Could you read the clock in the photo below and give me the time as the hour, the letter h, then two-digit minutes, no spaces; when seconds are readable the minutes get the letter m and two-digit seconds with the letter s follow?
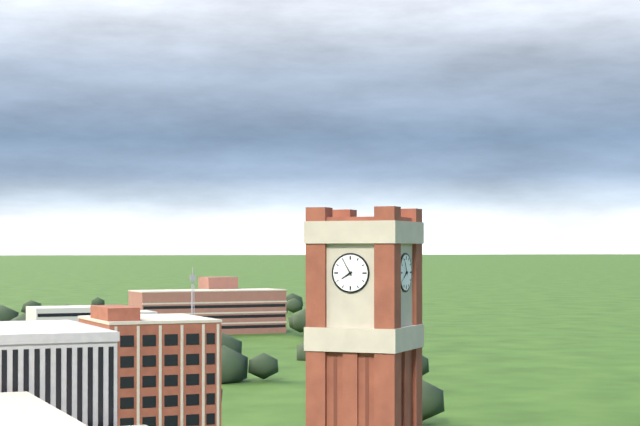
7h55
